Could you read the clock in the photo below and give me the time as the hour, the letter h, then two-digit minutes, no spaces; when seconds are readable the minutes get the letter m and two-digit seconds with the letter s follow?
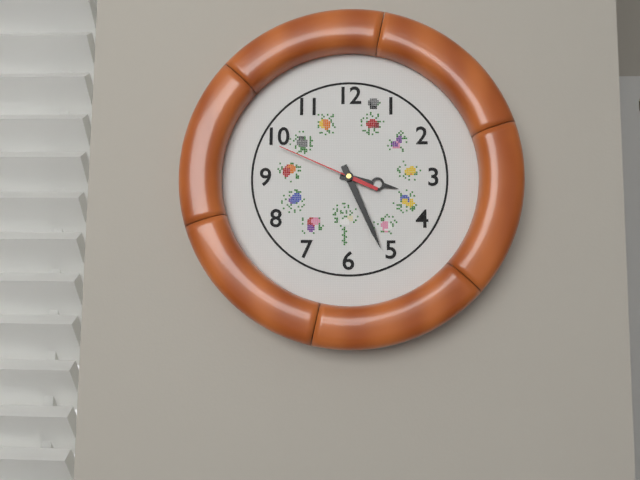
3h26m49s
